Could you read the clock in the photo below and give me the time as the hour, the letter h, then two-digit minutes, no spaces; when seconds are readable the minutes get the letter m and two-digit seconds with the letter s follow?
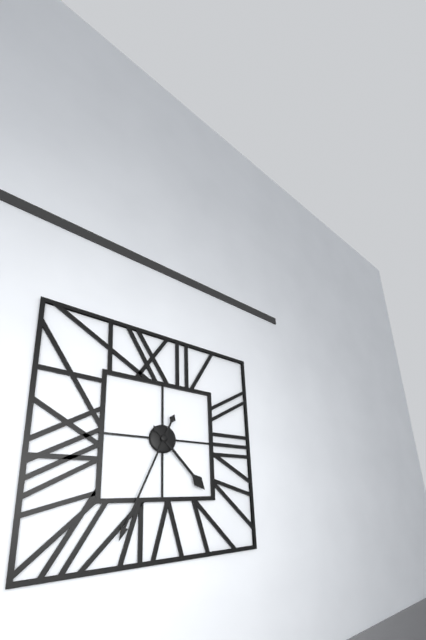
4h34
